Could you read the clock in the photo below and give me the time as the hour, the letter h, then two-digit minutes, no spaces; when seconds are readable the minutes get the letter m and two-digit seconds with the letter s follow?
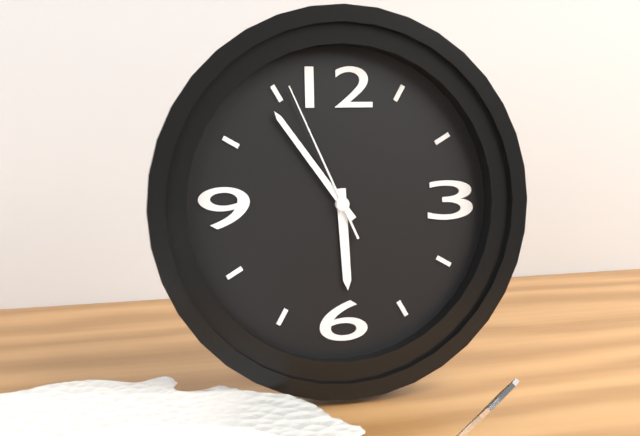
5h54m56s
